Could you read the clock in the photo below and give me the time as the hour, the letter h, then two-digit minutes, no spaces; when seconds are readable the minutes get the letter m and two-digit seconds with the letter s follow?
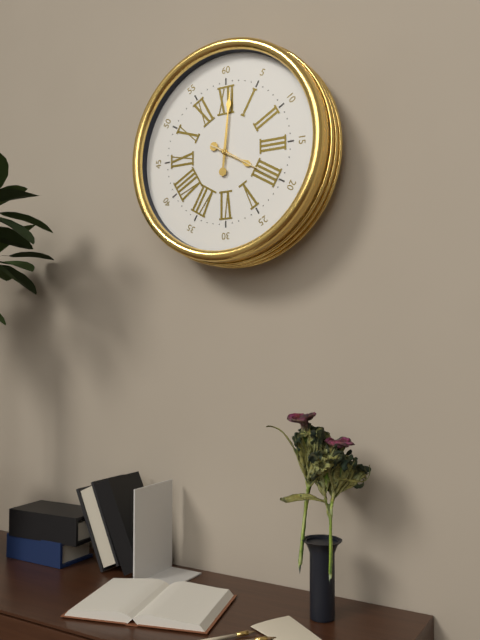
4h01m20s
